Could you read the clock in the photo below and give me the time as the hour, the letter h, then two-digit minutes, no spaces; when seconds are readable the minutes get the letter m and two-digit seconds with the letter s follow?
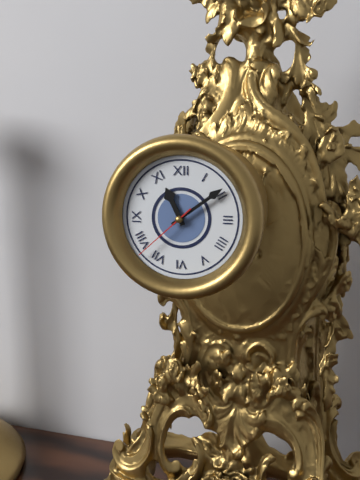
11h09m38s
